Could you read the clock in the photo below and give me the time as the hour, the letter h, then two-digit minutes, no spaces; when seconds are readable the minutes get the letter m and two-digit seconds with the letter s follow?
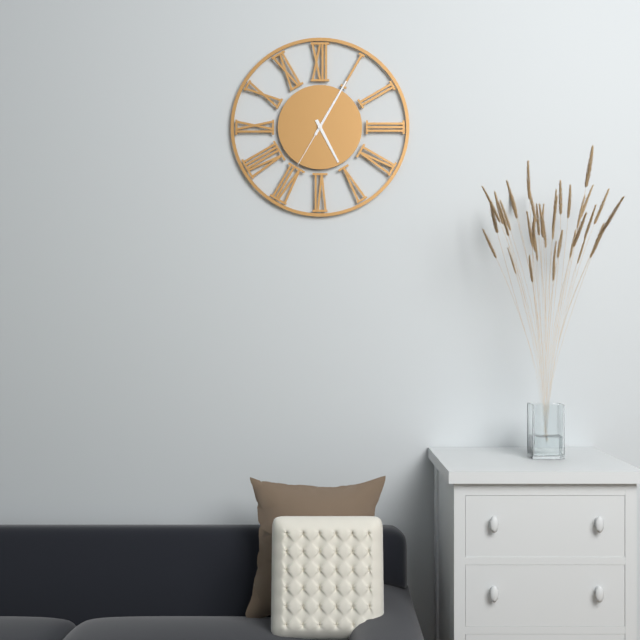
5h05m35s
